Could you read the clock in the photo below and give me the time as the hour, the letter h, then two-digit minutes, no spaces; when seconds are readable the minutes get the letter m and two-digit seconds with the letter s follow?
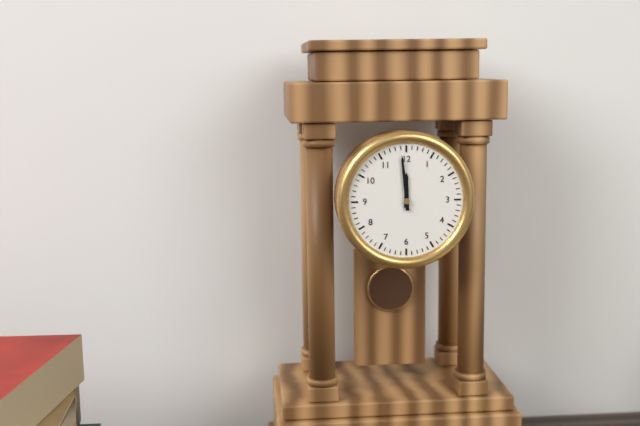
11h59
